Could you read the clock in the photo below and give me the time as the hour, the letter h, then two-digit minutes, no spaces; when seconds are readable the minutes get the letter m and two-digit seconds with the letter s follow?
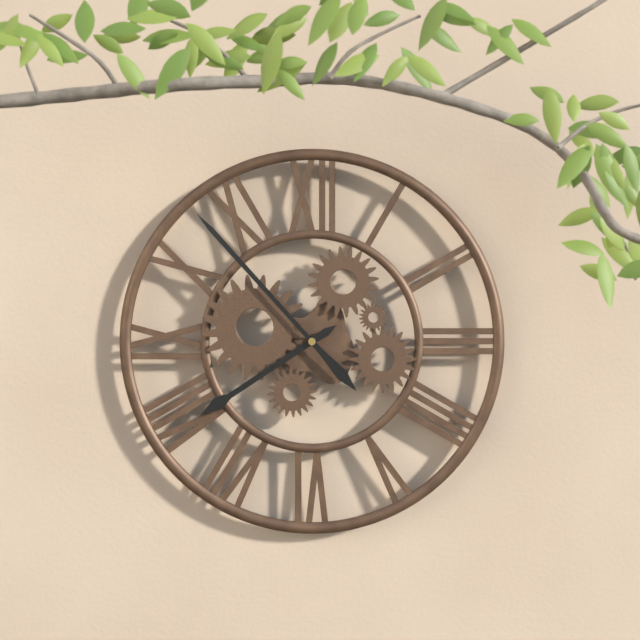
7h53
